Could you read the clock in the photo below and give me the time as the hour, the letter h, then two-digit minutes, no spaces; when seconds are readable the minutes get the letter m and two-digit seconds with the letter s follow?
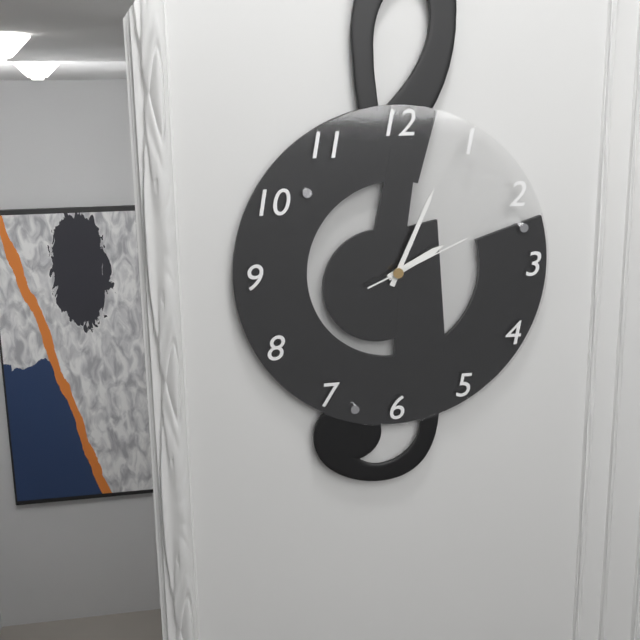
2h04m11s
